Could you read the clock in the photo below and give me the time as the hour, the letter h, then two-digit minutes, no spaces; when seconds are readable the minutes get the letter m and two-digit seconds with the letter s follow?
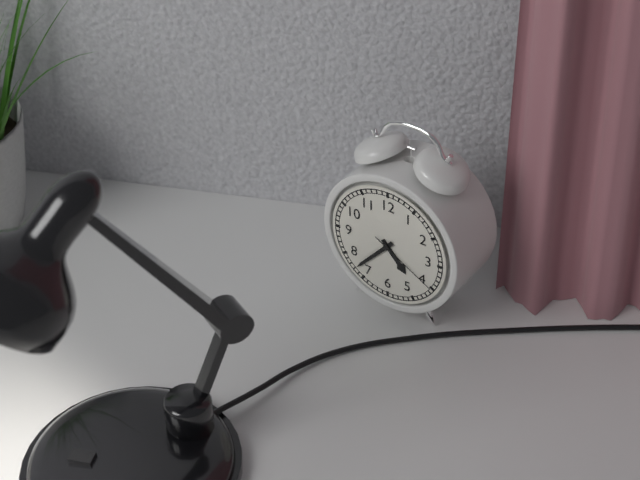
4h37m20s
